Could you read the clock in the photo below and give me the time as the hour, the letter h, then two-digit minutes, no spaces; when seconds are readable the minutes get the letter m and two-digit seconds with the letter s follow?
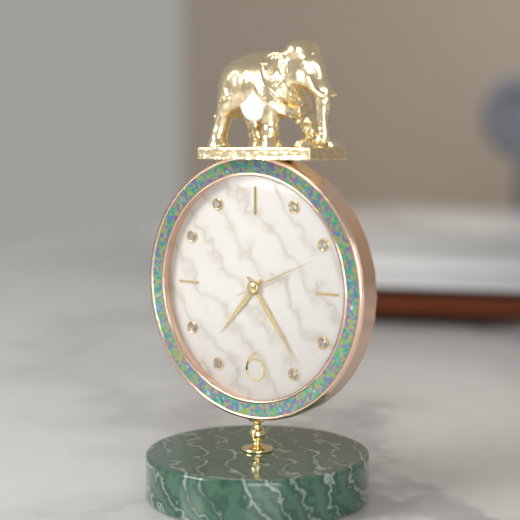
7h24m11s
